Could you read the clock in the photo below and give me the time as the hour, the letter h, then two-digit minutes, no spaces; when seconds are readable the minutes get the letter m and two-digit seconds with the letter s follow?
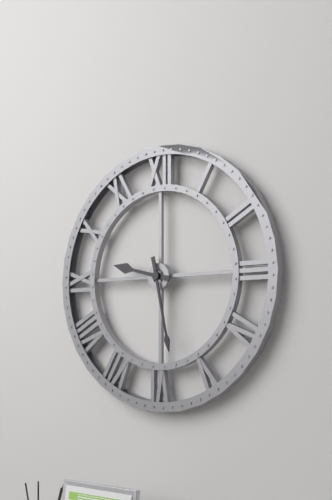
9h28
